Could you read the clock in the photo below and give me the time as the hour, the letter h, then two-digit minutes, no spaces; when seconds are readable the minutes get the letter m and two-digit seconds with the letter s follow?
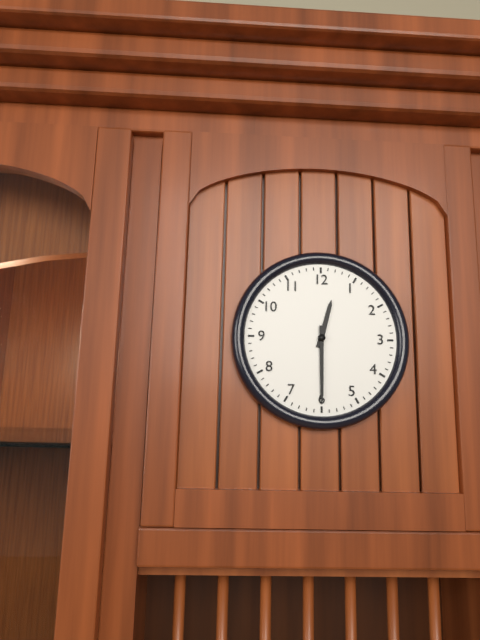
12h30
